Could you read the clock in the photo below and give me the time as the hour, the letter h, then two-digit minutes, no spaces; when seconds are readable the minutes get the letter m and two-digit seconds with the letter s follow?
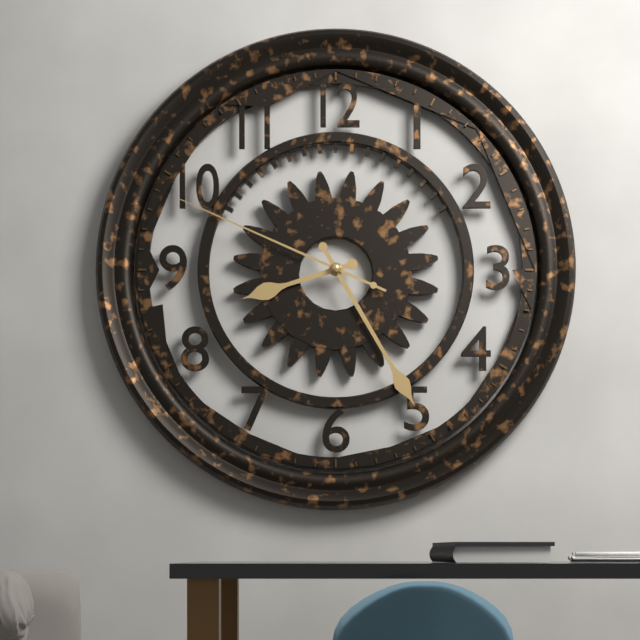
8h25m49s
